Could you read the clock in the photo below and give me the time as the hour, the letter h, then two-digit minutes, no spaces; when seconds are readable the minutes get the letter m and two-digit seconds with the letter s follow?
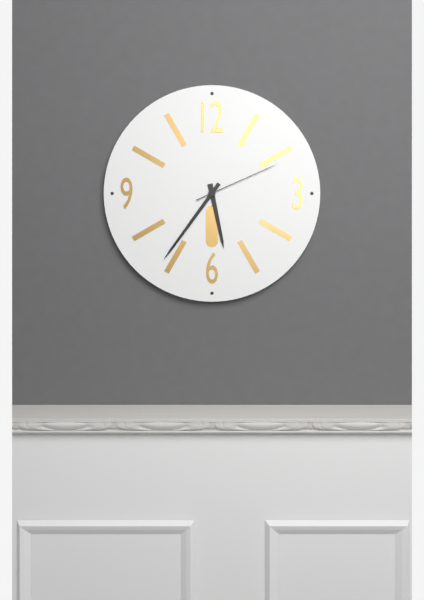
5h36m11s
